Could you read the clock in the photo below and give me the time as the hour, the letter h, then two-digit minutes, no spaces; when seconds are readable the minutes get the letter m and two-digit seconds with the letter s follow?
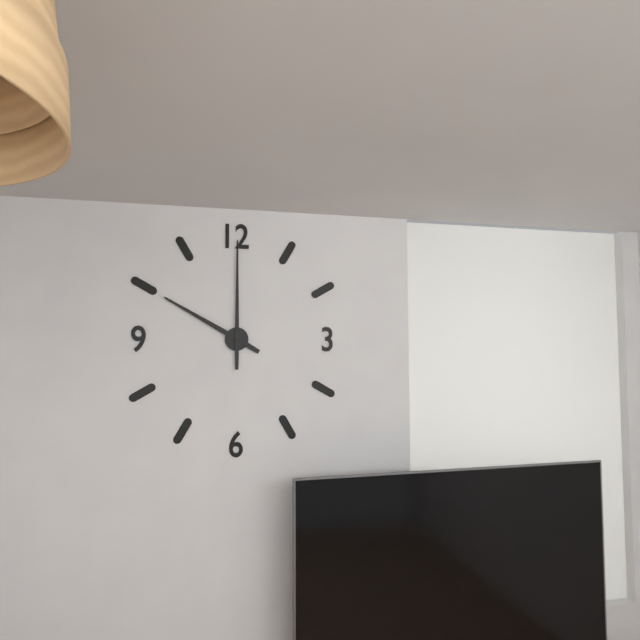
10h00
